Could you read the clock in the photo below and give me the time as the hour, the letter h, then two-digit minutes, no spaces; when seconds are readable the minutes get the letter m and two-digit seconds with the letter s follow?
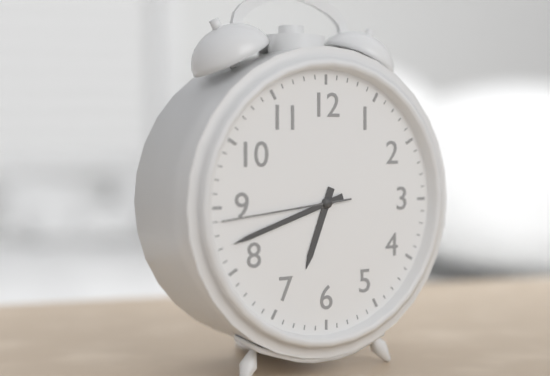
6h42m44s
